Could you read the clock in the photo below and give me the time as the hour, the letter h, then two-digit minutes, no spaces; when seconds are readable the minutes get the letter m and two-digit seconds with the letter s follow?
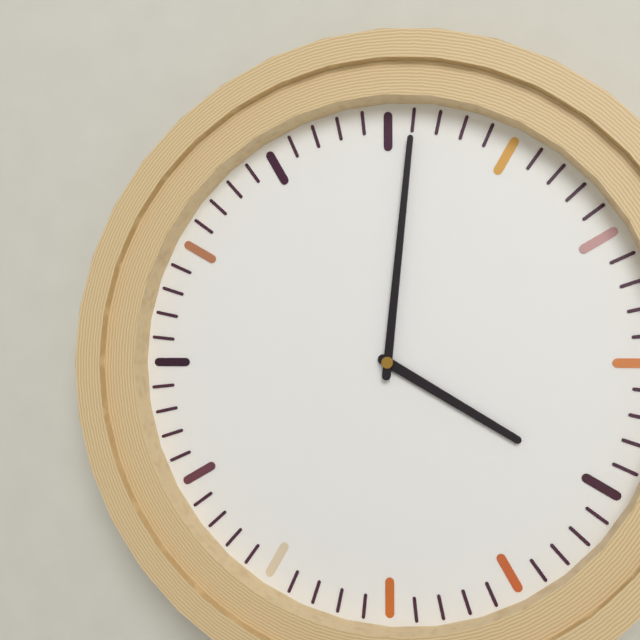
4h01
